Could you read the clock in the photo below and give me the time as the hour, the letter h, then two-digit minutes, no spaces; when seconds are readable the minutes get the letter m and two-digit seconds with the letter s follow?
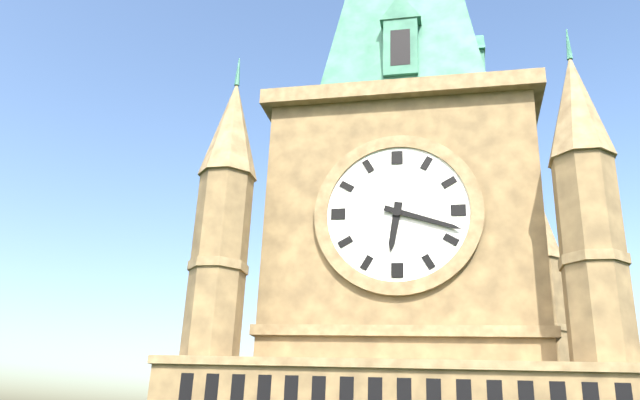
6h18
